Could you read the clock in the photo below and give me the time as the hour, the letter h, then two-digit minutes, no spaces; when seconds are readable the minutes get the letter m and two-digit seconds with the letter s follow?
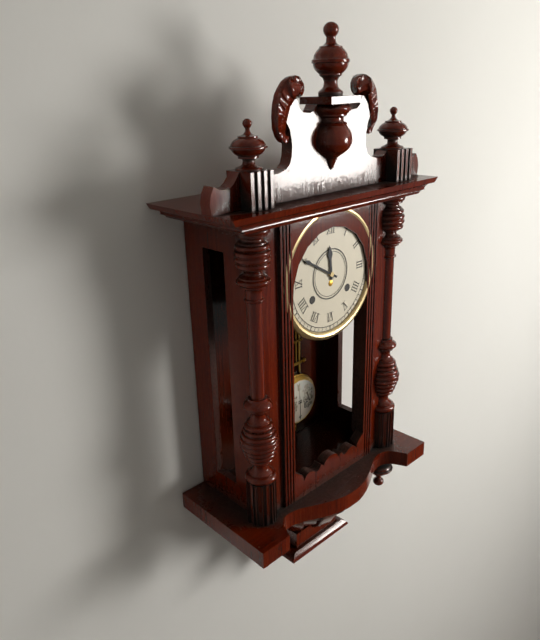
11h50
